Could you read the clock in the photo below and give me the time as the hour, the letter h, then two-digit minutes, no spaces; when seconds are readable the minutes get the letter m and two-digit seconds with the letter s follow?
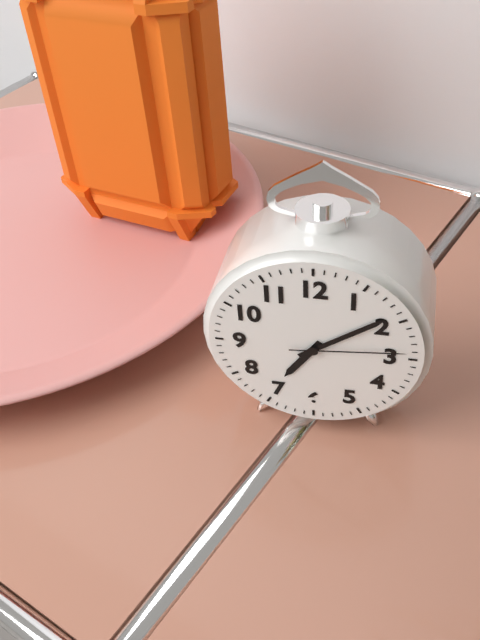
7h09m14s
